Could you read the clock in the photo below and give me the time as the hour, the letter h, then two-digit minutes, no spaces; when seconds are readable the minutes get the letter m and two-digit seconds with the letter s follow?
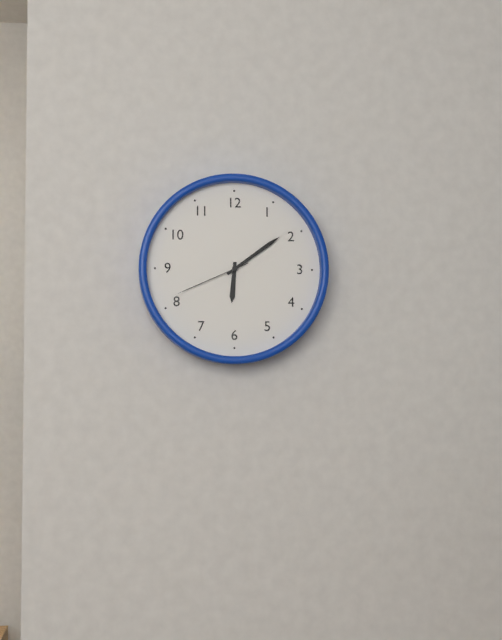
6h09m41s
